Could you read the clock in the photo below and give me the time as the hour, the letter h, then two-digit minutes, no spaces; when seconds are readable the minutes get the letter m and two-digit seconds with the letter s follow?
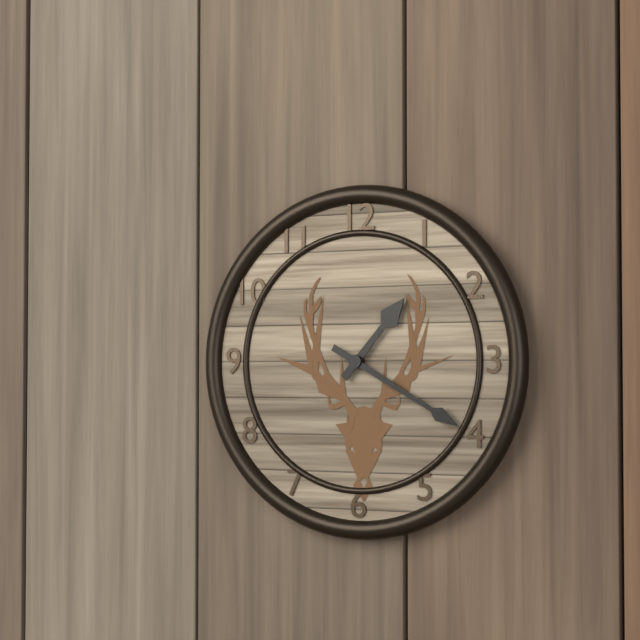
1h20
